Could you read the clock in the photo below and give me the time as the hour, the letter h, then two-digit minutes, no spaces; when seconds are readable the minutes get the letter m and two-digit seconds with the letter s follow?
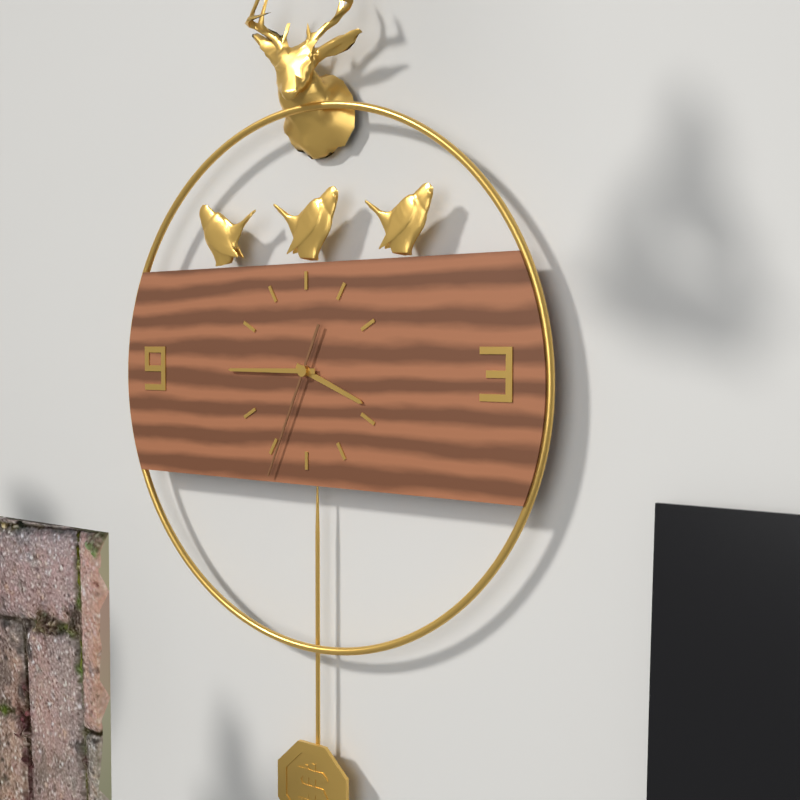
3h45m34s
